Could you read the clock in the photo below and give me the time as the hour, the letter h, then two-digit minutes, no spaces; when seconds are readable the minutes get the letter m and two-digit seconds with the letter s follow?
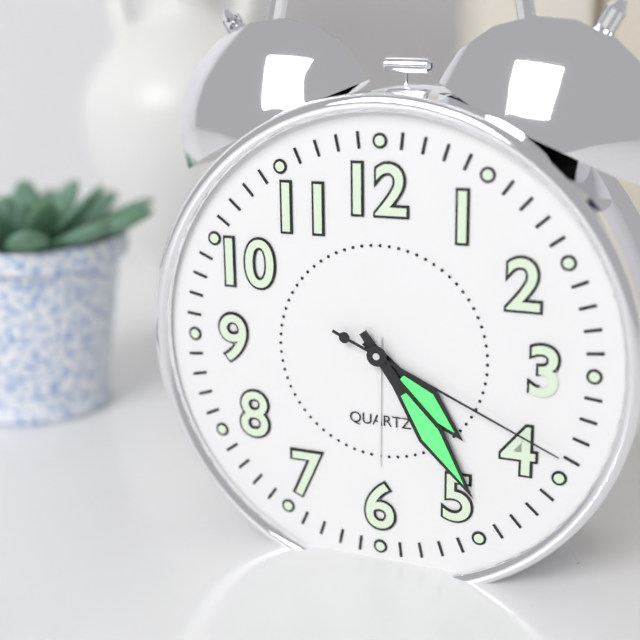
4h24m19s
